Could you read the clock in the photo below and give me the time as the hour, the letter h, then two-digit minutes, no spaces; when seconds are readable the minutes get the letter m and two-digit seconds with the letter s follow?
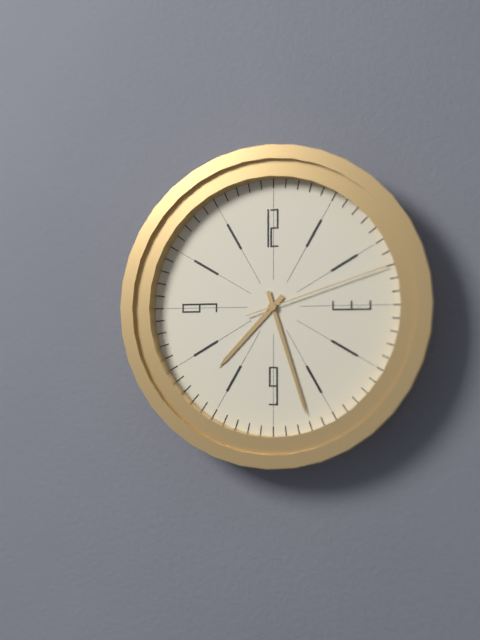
7h27m12s
